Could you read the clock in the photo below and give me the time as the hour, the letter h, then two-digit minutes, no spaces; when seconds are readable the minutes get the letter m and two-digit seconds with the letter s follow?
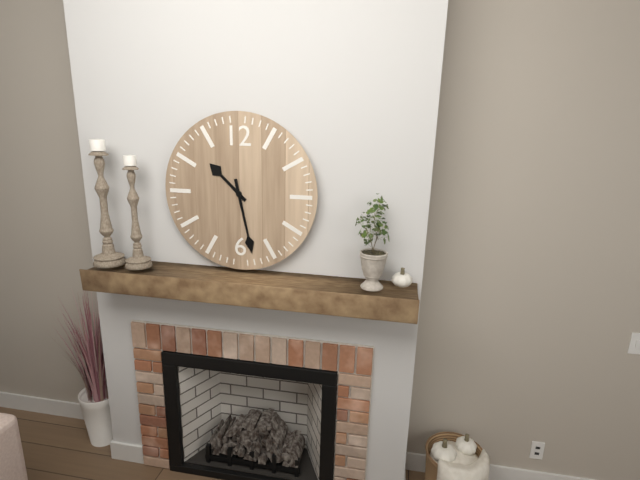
10h28
